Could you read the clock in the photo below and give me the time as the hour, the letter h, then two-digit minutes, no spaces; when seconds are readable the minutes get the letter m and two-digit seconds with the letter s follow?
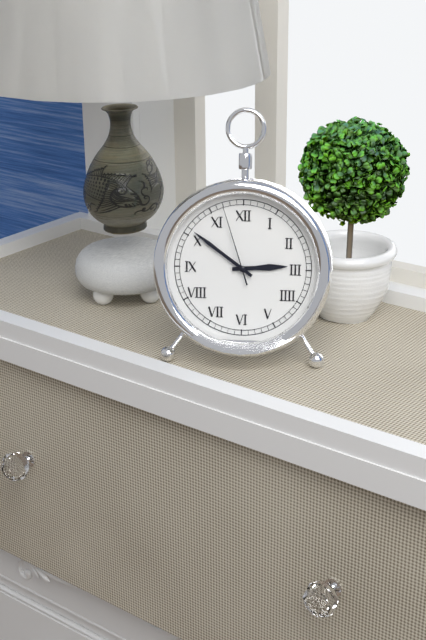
2h51m57s
